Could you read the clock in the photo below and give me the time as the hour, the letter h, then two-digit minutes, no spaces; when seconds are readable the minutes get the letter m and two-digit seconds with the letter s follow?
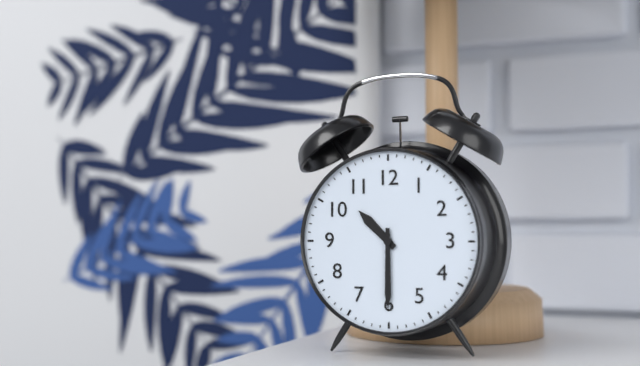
10h30
